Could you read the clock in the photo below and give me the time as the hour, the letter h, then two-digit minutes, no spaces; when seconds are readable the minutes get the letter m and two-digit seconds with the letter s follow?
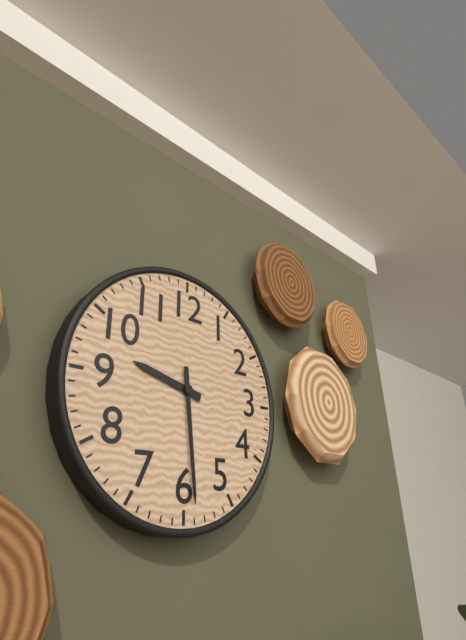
9h29
